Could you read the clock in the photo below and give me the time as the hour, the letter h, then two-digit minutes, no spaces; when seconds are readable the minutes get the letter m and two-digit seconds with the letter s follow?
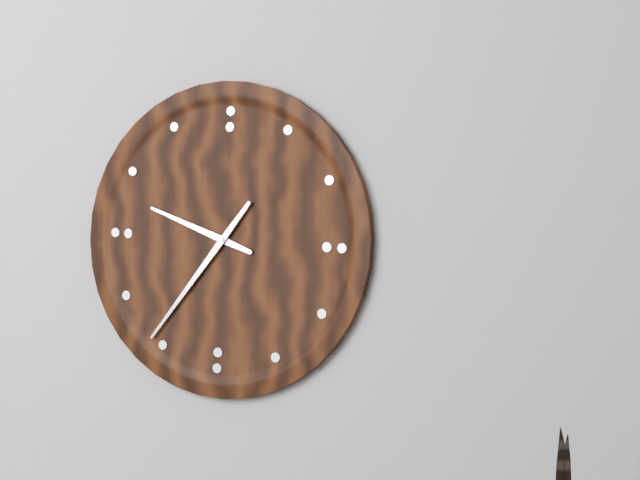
9h36
